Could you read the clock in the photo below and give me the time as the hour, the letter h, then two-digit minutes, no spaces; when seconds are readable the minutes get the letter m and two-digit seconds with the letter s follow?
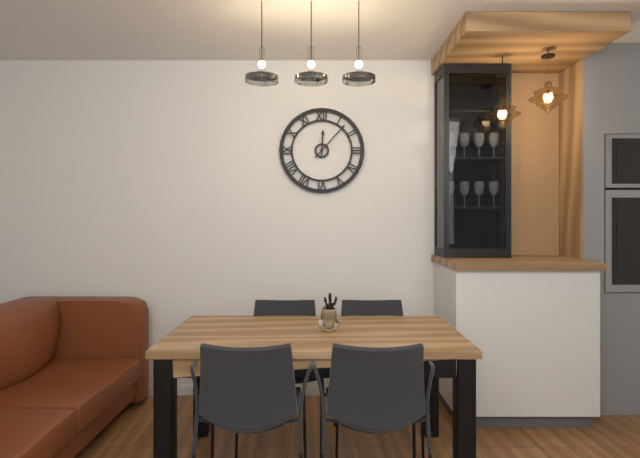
12h07
